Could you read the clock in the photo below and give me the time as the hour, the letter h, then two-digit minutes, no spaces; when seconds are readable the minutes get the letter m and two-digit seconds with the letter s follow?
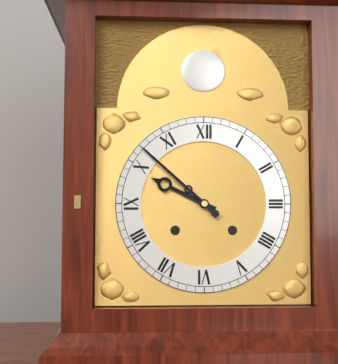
9h52
